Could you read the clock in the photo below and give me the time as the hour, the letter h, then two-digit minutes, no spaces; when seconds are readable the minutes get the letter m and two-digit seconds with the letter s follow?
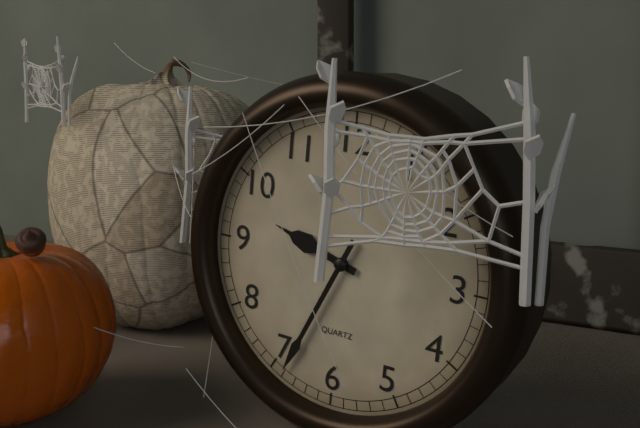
9h34
